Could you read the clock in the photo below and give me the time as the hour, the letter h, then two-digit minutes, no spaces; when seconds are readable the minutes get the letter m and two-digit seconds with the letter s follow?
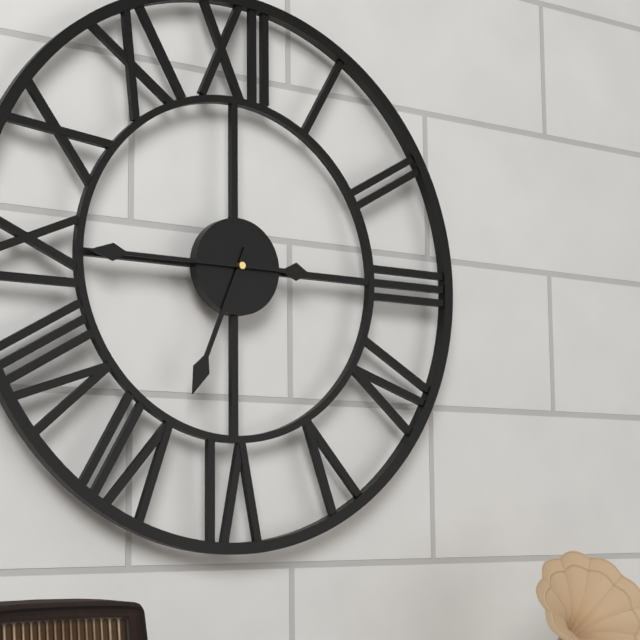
6h45
